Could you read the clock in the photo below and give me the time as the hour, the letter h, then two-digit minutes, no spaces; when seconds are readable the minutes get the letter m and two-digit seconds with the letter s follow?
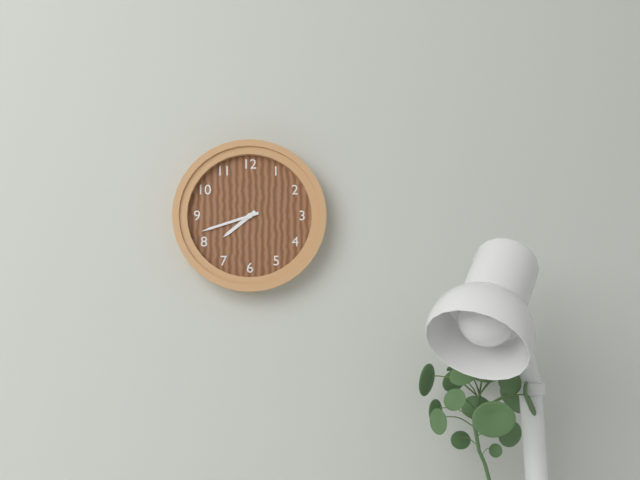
7h42
